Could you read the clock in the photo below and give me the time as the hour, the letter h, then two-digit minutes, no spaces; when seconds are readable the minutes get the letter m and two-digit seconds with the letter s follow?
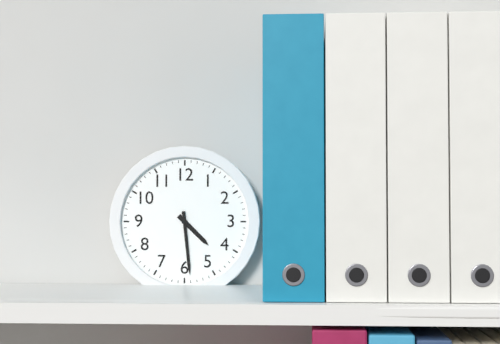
4h29
